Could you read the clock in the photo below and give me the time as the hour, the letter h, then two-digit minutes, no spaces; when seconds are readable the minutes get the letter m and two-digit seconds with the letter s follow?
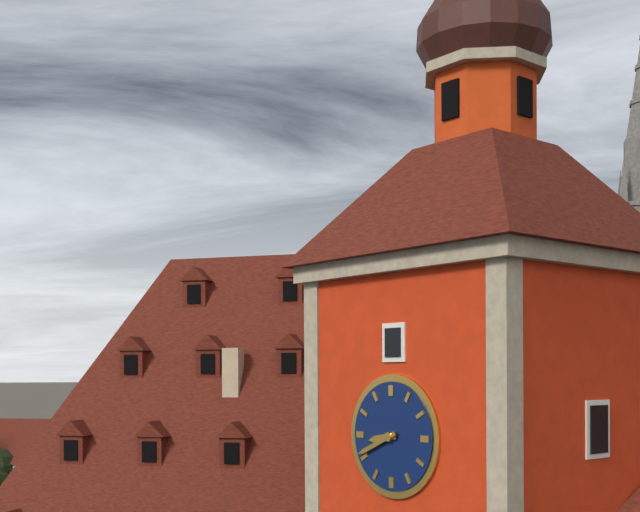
8h41
